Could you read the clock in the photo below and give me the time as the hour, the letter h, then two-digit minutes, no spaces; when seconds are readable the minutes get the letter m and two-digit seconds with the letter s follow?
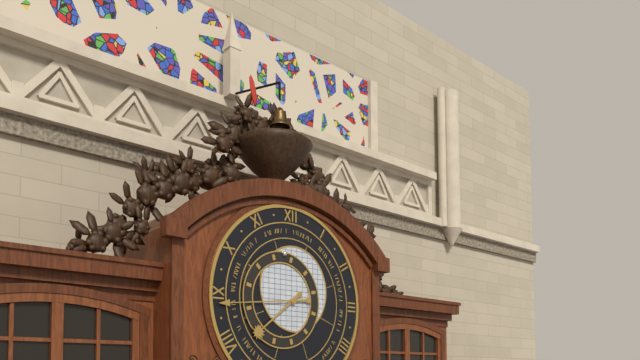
7h44
